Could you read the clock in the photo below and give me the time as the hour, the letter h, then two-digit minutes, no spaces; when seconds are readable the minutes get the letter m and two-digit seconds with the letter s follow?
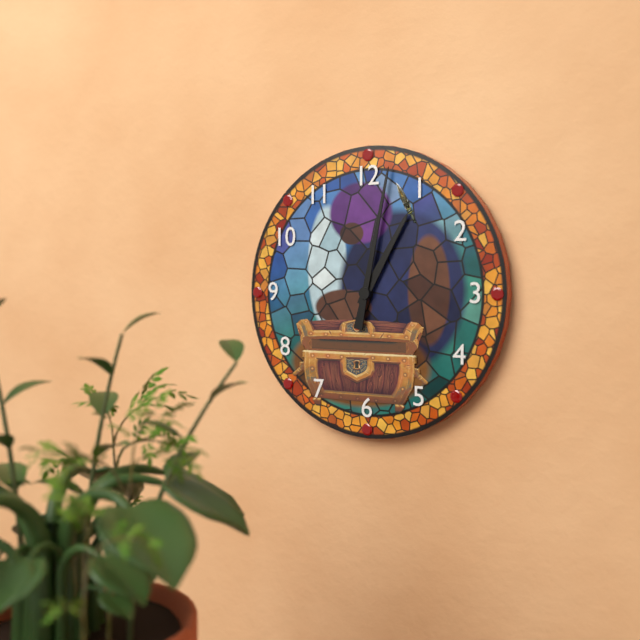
1h02
